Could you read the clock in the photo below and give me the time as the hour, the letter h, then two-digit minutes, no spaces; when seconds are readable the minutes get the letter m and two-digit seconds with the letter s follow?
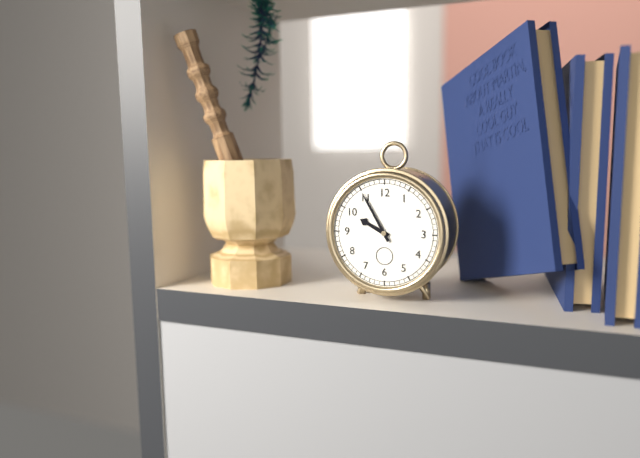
9h55
